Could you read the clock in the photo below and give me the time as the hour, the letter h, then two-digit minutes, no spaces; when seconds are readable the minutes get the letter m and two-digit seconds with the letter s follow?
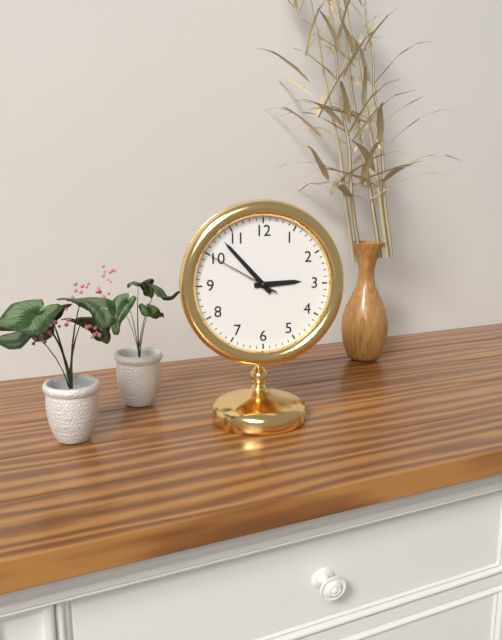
2h53m50s
